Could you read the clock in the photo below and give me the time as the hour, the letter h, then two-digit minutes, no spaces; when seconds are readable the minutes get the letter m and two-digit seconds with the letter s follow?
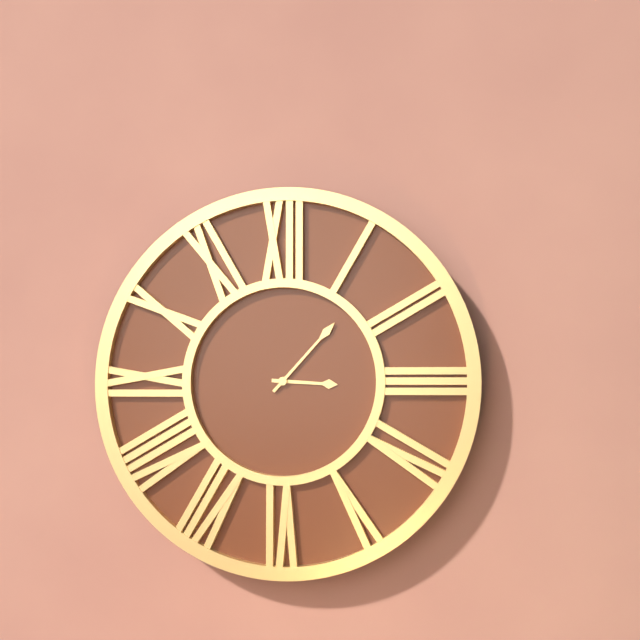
3h07
